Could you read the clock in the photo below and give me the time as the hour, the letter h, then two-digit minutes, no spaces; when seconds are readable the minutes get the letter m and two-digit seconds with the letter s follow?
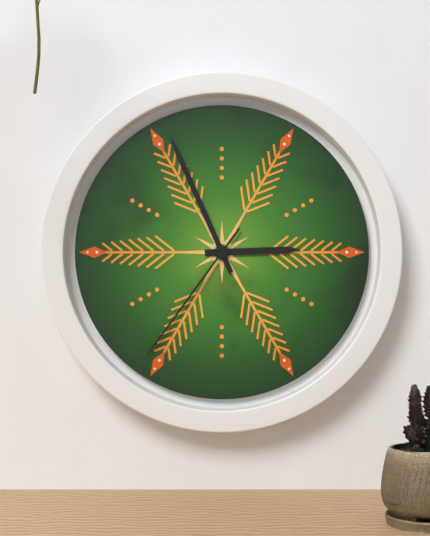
2h56m36s
